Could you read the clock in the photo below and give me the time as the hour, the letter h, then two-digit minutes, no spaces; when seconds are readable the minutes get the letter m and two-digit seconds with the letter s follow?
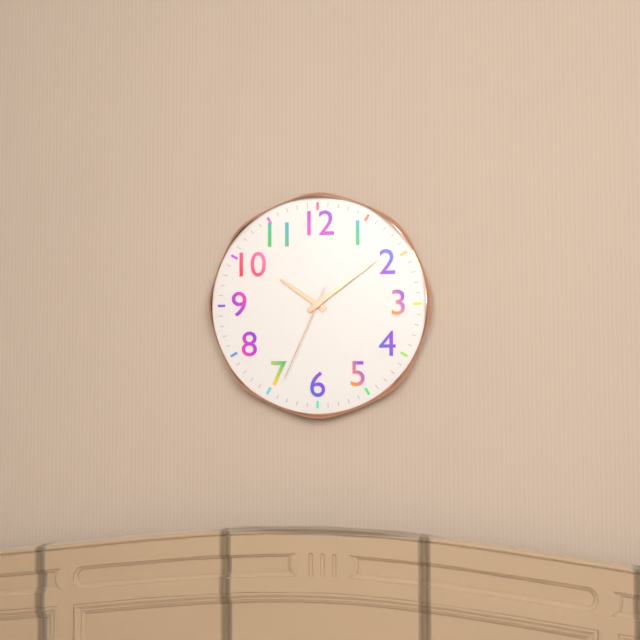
10h09m34s
